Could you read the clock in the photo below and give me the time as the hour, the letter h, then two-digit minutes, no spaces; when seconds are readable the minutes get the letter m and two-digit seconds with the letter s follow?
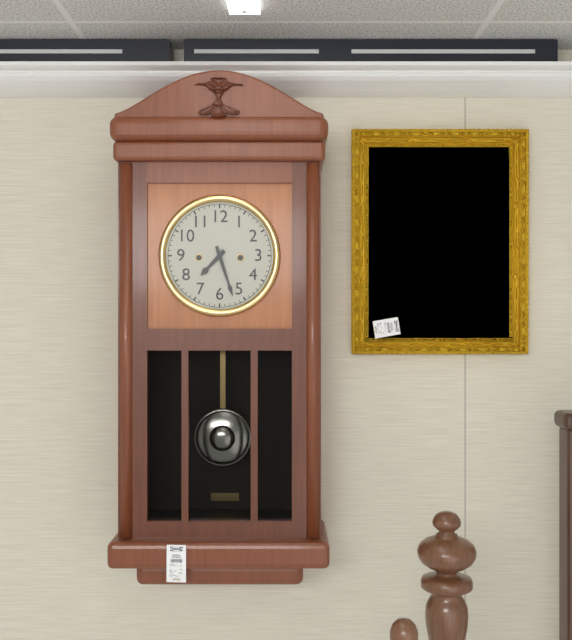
7h27
